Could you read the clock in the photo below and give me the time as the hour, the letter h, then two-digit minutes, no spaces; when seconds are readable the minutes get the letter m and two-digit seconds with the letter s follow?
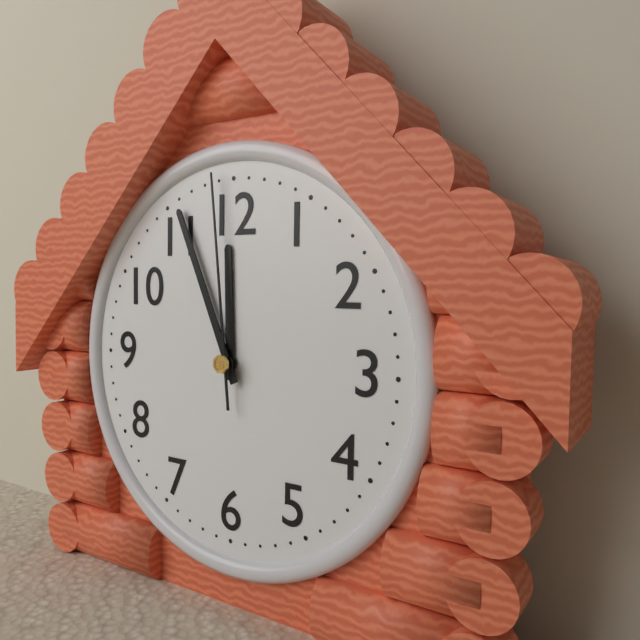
11h56m59s
